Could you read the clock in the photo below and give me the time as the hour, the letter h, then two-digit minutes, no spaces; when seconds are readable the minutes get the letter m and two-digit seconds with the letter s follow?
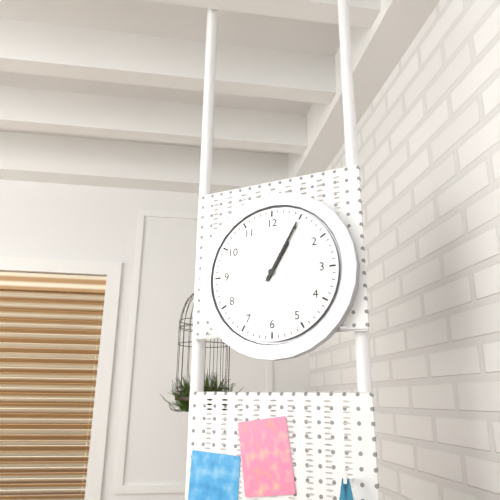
1h05
